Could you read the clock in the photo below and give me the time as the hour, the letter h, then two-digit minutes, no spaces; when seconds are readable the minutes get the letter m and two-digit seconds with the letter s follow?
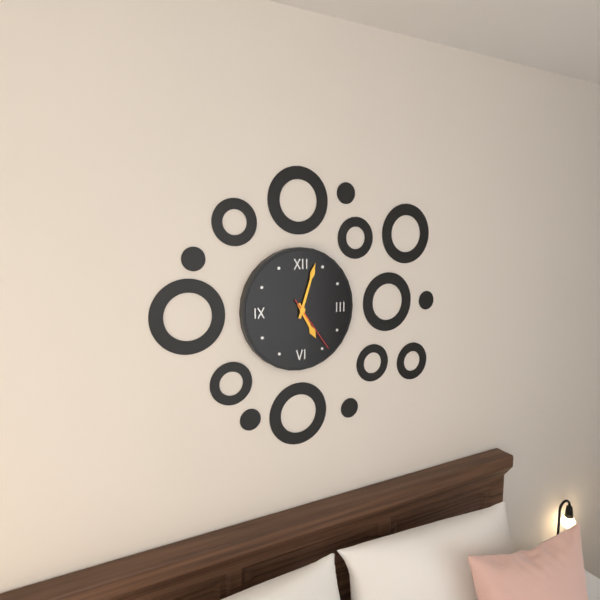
5h03m24s
